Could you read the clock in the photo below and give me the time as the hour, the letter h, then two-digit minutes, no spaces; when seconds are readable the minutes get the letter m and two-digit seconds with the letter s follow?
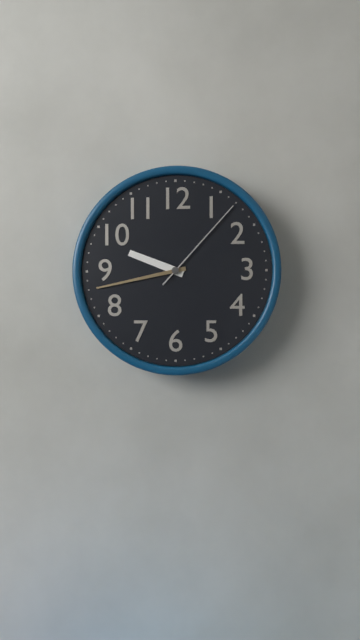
9h43m07s
